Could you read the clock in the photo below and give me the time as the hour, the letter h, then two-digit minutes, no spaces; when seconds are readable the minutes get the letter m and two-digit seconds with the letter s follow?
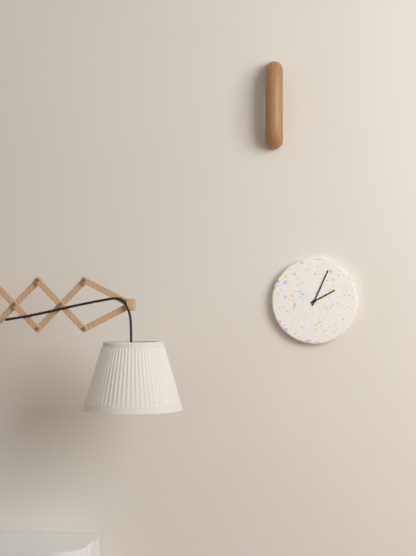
2h04
